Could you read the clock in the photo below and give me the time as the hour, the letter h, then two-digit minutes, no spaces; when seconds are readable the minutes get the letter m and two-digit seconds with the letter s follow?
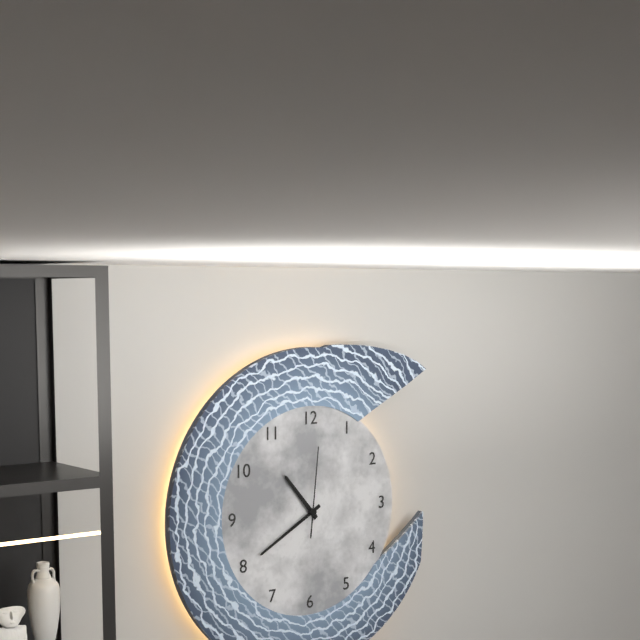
10h40m01s
